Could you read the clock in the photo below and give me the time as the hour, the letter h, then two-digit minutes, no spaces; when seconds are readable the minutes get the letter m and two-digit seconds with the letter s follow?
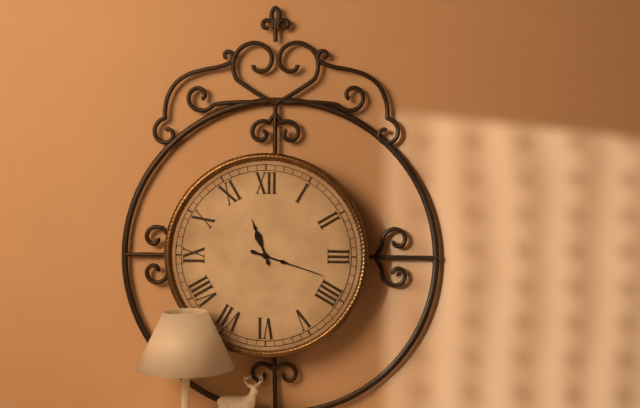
11h18
